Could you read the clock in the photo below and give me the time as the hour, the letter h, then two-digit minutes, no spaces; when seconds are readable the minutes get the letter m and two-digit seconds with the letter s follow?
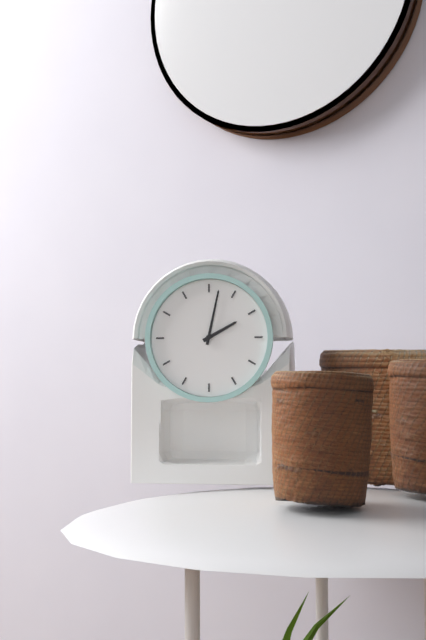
2h02
